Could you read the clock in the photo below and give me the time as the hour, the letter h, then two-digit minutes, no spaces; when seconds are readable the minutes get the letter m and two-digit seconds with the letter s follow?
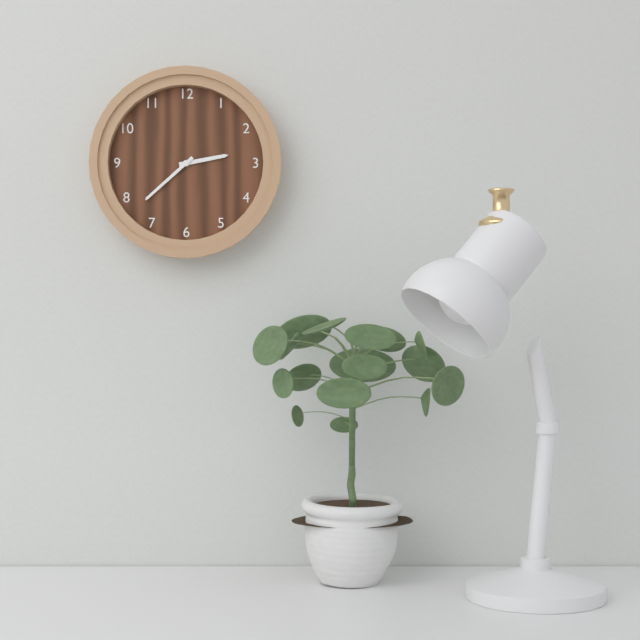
2h38
